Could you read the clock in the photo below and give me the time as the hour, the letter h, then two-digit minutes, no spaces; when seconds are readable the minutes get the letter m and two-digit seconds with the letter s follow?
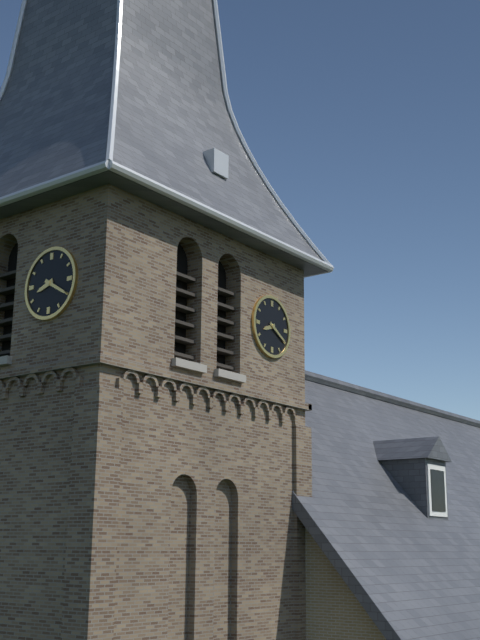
8h20
